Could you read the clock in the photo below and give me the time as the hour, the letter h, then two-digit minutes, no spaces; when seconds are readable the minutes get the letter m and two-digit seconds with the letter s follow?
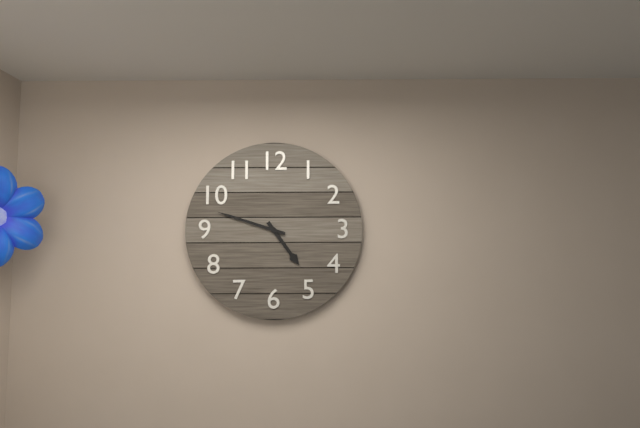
4h48
